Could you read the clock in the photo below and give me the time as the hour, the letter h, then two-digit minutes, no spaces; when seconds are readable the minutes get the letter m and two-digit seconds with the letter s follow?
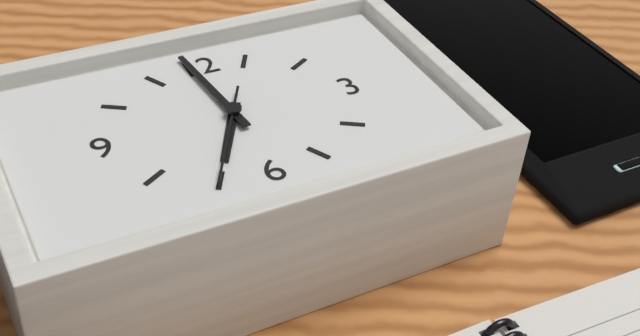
6h59m35s
